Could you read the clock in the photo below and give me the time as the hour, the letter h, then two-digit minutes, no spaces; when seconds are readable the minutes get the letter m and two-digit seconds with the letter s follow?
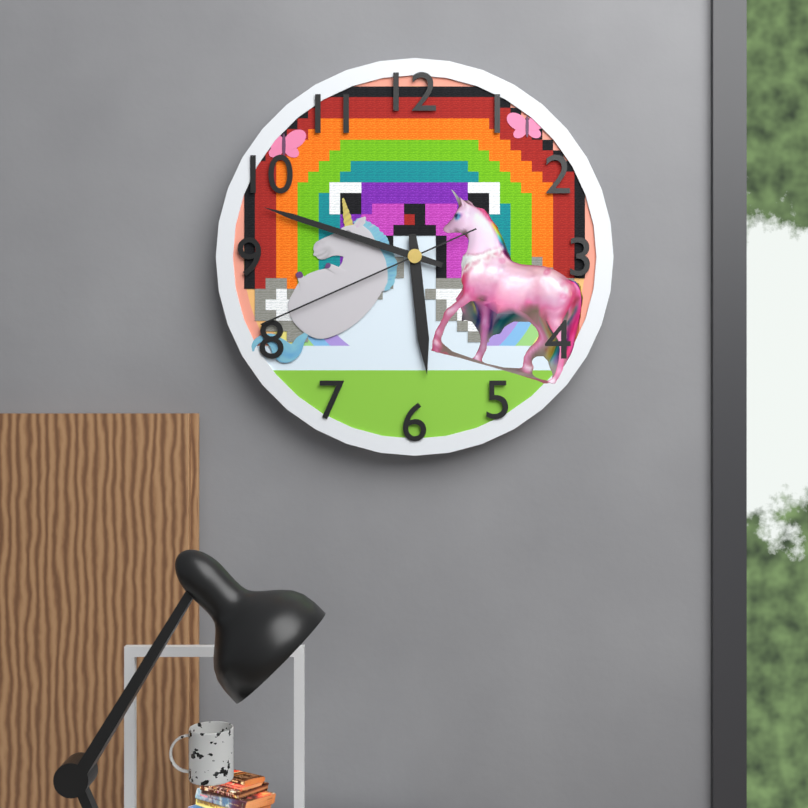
5h48m41s
